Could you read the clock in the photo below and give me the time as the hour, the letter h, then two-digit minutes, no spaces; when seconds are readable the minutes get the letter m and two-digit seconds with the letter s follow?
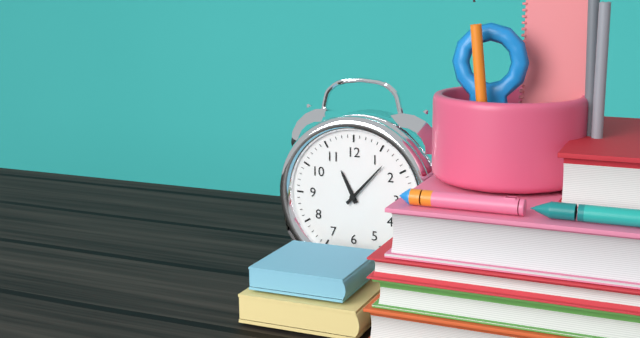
11h07
